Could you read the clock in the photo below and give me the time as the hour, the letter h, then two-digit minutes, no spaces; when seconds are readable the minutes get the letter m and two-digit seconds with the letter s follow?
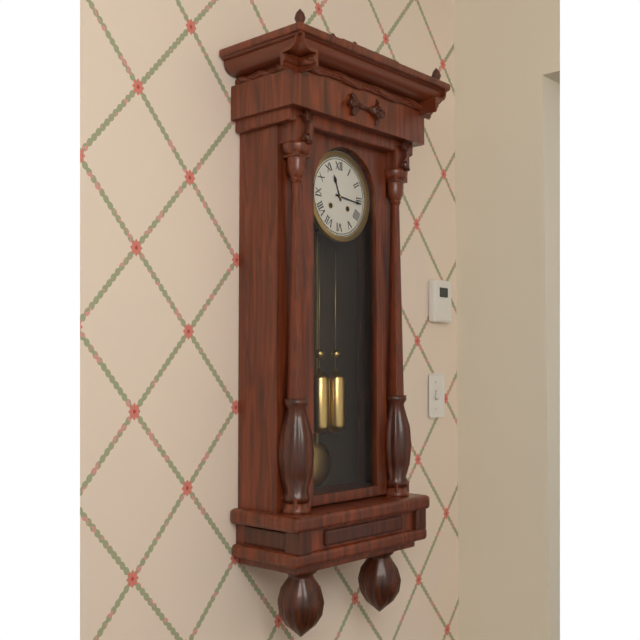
11h16
